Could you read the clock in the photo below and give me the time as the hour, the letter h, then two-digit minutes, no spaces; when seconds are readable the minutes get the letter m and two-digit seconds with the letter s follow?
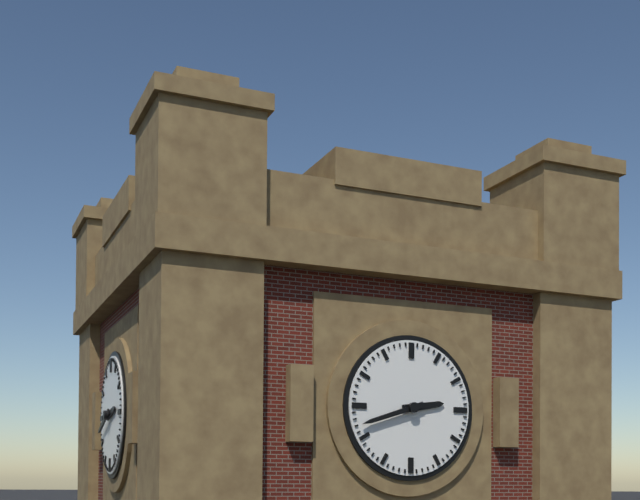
2h42
